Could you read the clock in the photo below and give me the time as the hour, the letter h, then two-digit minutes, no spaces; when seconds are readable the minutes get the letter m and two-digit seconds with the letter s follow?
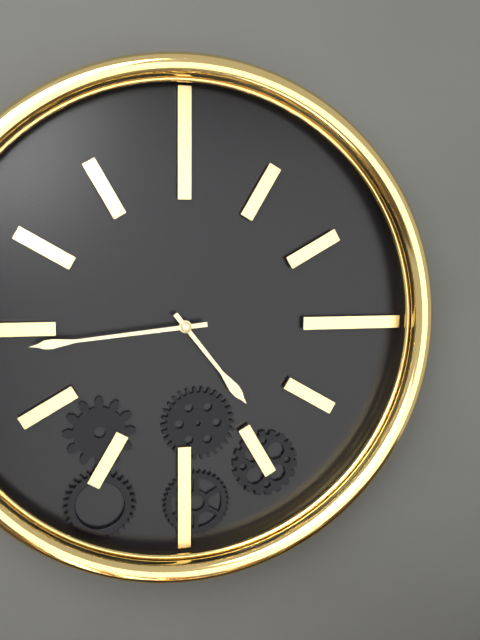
4h44
